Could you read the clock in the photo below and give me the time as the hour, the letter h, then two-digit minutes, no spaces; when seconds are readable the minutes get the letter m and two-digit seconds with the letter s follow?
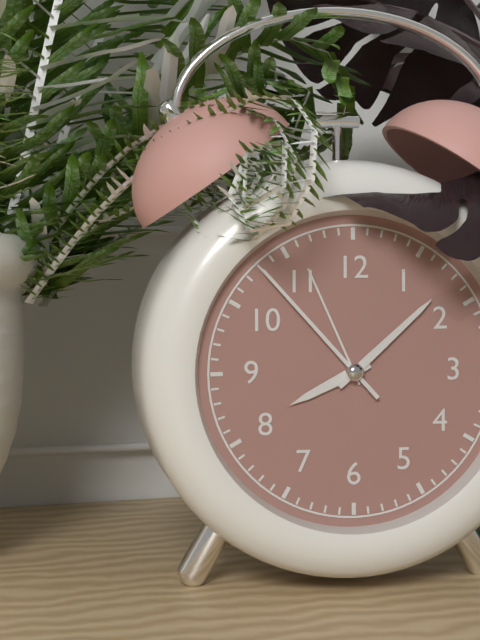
8h08m53s
